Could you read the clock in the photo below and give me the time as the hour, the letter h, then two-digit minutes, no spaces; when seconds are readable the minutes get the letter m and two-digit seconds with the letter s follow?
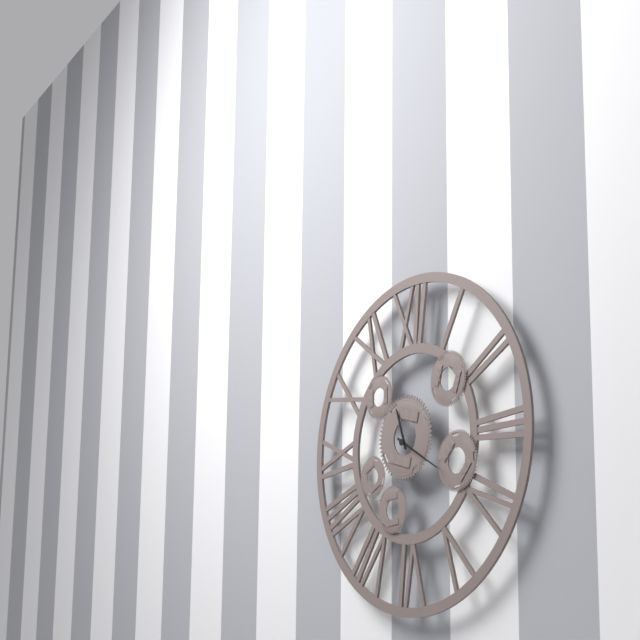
11h20
